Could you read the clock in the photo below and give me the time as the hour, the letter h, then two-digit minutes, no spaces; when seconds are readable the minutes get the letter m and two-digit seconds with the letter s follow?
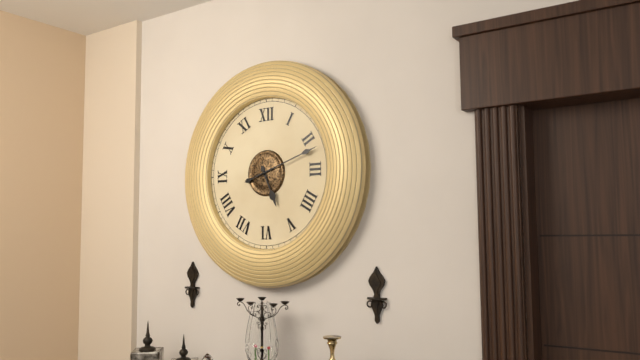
5h12
